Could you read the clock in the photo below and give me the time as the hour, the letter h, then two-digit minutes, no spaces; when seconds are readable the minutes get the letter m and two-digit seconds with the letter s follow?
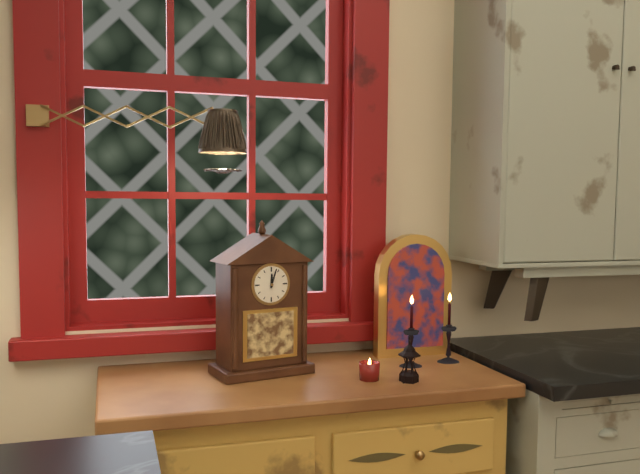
12h03
